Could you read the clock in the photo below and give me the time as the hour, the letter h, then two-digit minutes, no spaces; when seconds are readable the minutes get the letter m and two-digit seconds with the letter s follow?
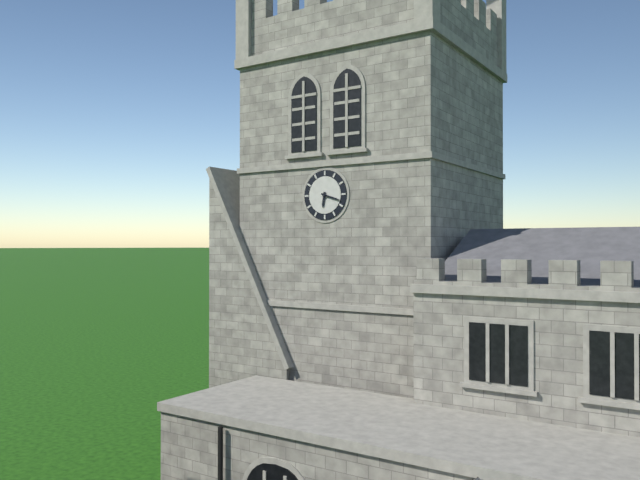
6h18
